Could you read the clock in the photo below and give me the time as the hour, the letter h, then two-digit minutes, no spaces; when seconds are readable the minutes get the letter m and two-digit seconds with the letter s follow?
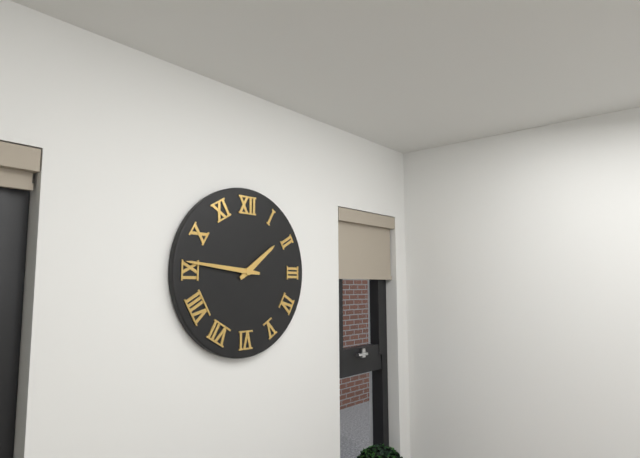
1h46
